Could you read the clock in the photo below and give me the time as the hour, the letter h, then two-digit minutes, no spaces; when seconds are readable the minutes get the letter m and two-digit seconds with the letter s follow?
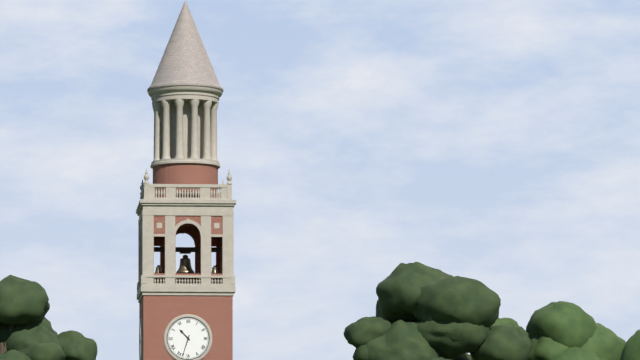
10h33
